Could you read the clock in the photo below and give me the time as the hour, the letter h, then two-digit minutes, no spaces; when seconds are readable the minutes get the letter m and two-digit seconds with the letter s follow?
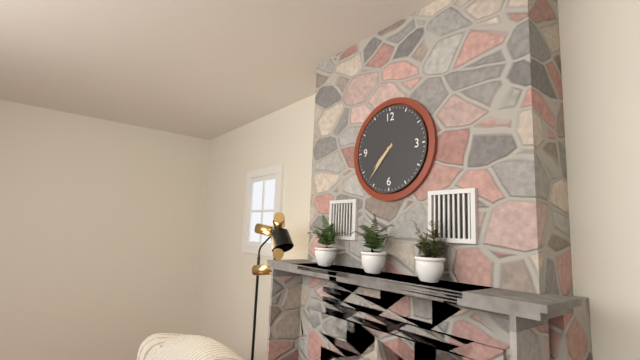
7h37
